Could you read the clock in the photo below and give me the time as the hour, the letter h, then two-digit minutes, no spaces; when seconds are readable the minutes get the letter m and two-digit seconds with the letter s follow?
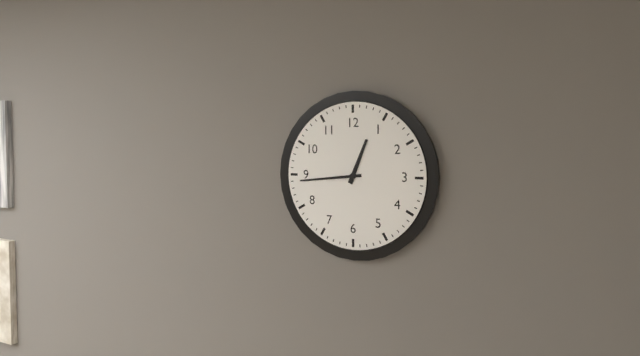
12h44
